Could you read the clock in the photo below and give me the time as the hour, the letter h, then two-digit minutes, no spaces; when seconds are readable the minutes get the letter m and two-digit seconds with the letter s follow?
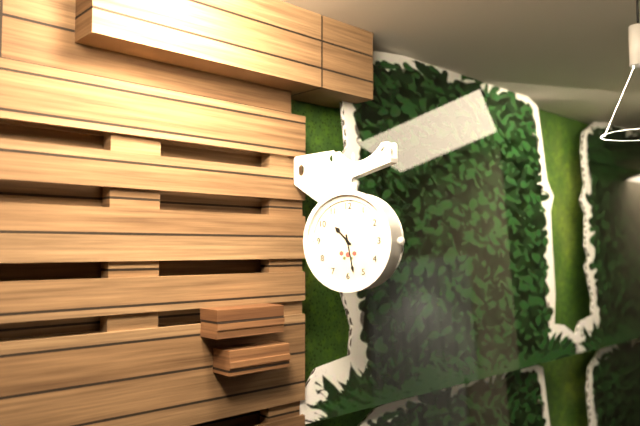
10h28
